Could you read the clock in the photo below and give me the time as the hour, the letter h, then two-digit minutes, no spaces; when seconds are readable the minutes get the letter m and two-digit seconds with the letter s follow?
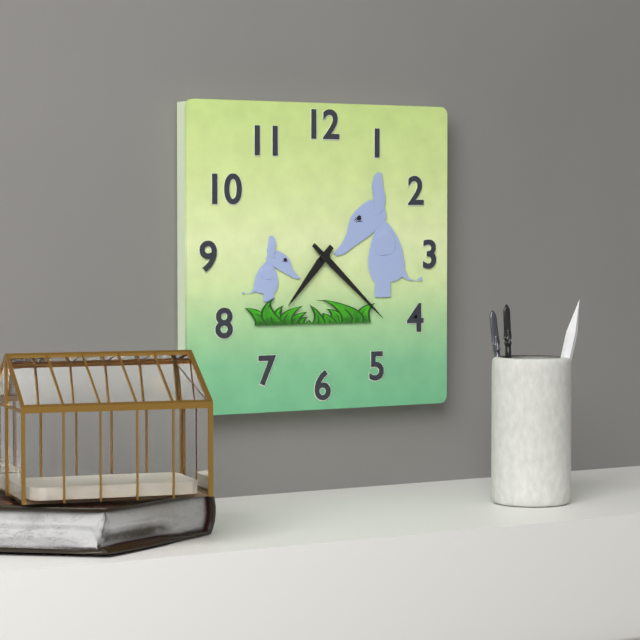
7h22
